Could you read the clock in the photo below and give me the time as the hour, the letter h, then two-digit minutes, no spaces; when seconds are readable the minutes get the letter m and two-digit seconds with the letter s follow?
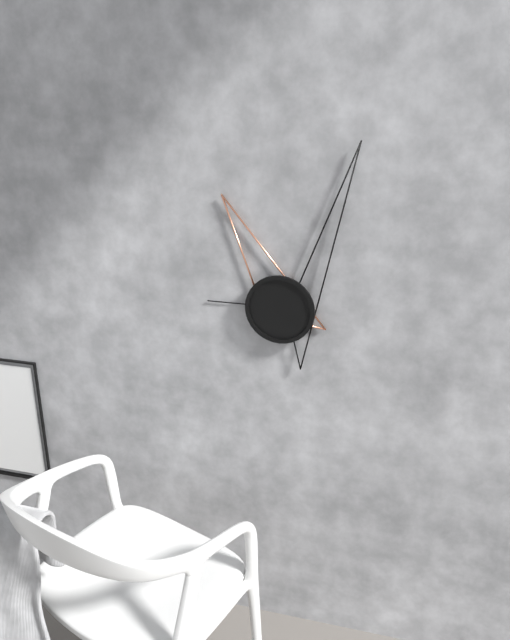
11h04m45s
